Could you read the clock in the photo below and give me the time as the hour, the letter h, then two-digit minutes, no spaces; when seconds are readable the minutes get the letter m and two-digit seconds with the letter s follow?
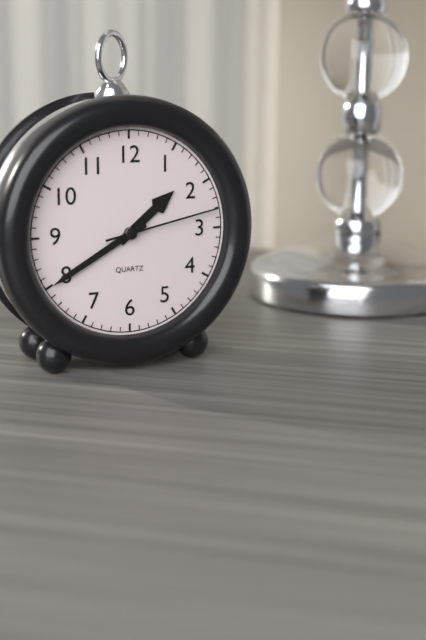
1h40m13s
